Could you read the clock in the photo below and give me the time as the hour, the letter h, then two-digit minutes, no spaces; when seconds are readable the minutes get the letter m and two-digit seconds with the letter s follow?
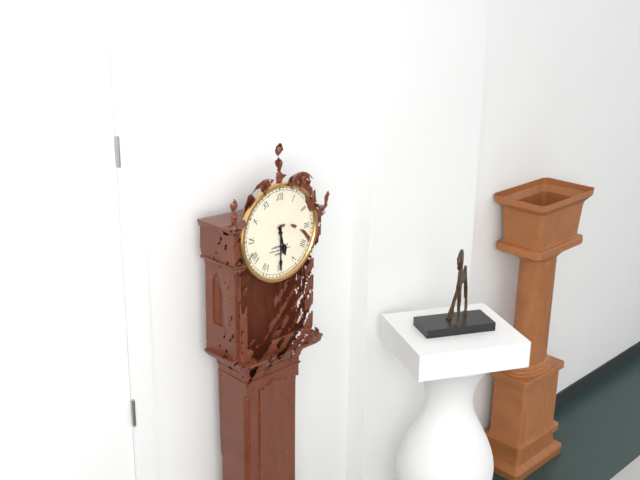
5h30
